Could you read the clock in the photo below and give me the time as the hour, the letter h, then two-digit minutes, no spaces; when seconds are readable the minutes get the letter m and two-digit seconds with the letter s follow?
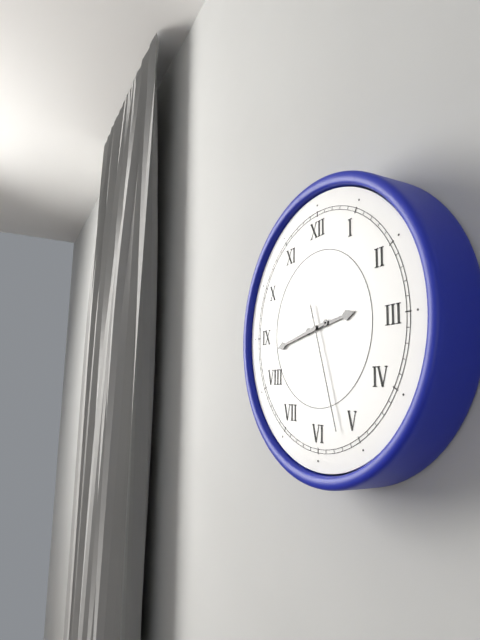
2h43m27s
